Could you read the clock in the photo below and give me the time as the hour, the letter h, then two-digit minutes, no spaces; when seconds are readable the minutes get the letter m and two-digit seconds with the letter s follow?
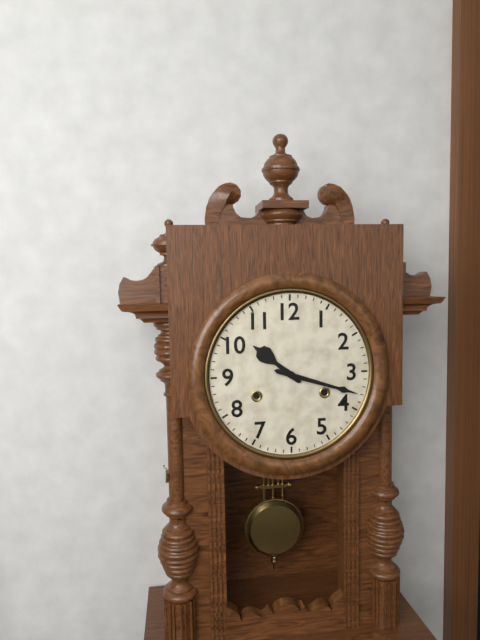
10h18
